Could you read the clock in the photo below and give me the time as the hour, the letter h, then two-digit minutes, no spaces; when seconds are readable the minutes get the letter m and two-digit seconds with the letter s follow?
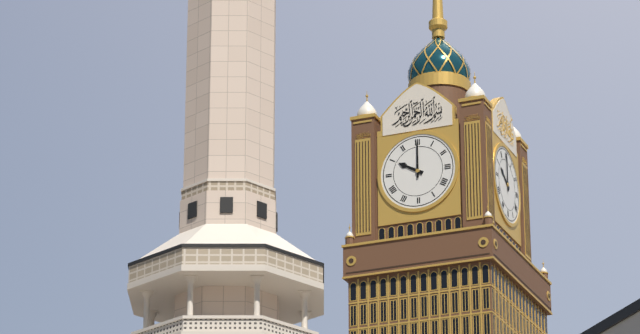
10h00
